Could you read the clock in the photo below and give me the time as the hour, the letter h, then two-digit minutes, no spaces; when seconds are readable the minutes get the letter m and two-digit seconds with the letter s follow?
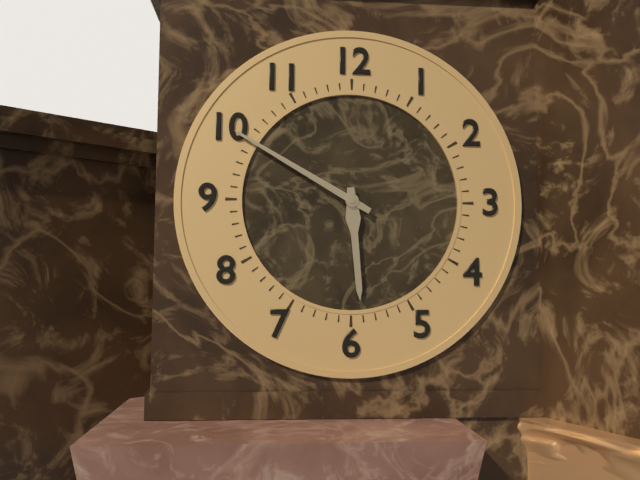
5h50
